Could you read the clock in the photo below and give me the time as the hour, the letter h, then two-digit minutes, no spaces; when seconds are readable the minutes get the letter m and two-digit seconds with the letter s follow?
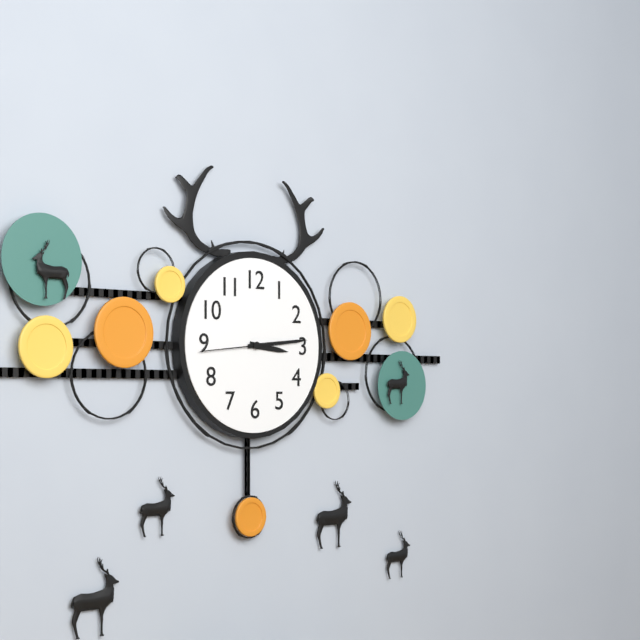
3h14m44s
